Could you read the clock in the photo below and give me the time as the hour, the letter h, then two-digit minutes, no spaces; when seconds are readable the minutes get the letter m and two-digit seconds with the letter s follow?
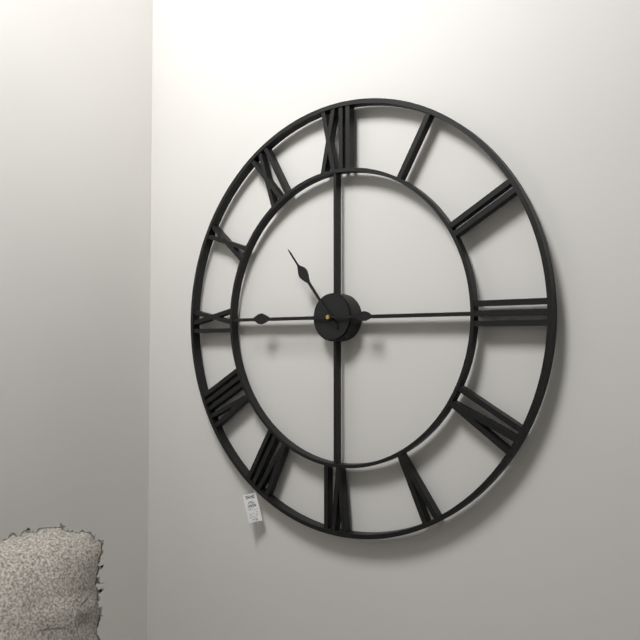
10h45
